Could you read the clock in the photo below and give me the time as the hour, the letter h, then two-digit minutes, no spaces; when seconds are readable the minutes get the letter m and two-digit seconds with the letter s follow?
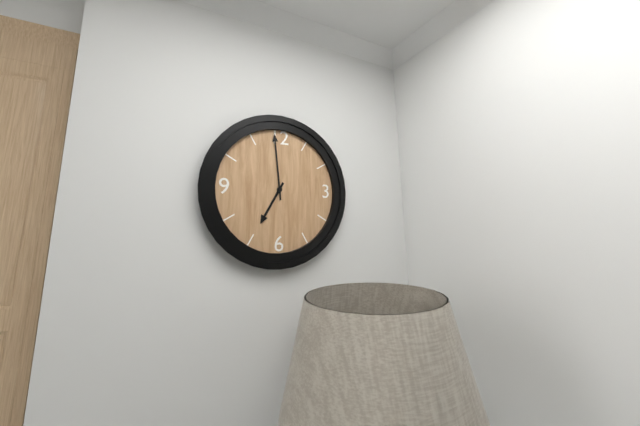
6h59
